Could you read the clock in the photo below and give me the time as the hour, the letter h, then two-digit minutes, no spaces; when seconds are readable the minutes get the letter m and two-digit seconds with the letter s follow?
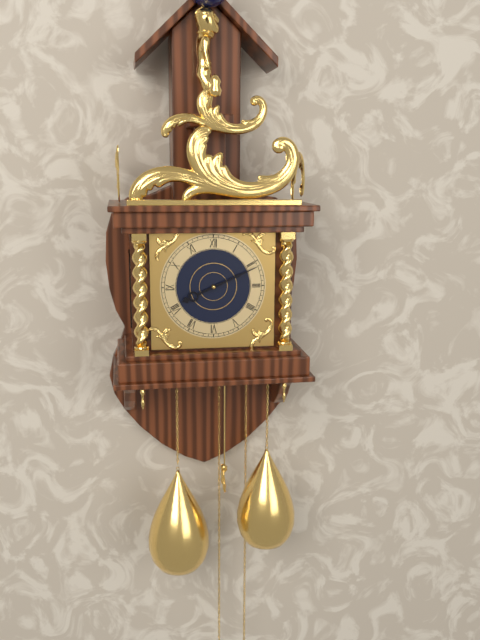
8h11
